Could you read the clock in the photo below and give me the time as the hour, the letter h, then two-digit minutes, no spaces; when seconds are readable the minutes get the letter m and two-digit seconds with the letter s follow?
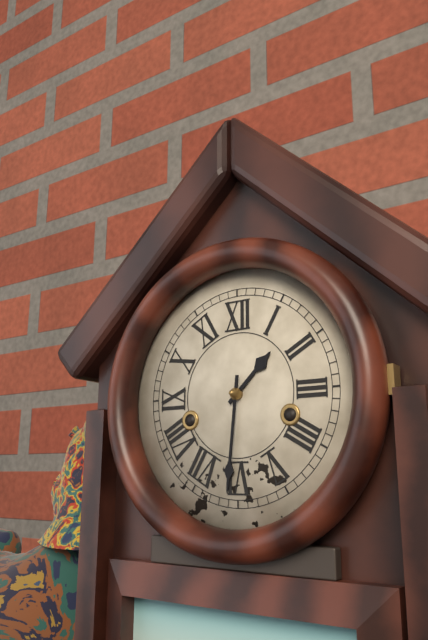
1h31
